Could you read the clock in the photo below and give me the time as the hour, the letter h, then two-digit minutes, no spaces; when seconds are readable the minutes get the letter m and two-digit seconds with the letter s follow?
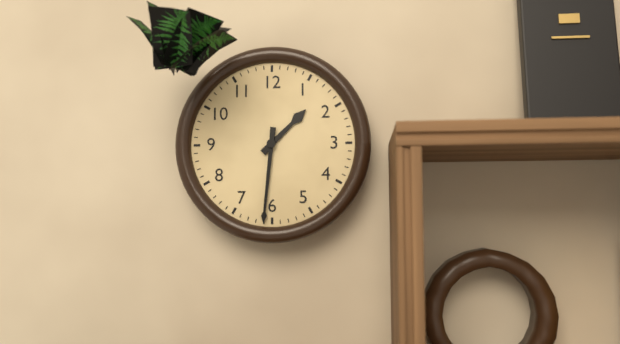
1h31
